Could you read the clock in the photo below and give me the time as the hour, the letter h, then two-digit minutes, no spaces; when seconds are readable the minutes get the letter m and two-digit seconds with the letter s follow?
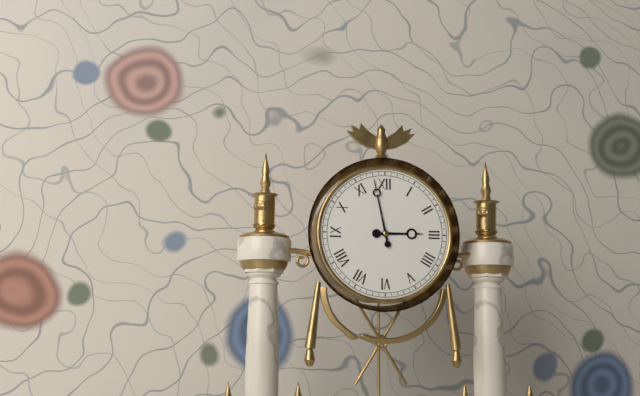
2h58
